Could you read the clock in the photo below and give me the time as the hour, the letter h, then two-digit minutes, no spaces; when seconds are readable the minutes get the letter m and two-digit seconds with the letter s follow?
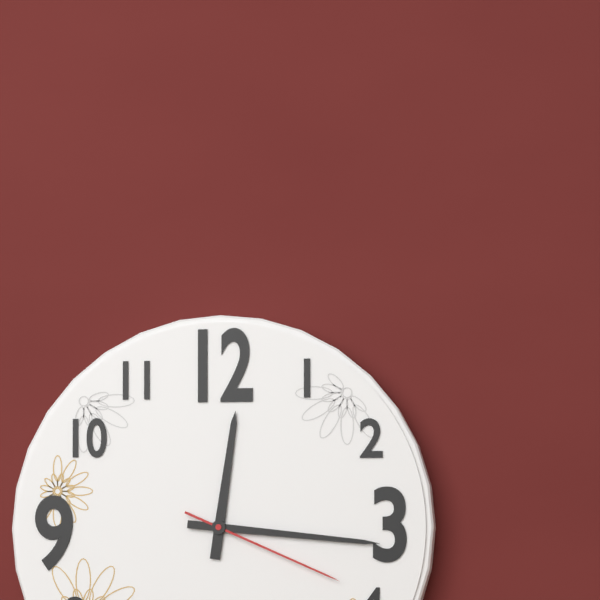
12h16m19s
